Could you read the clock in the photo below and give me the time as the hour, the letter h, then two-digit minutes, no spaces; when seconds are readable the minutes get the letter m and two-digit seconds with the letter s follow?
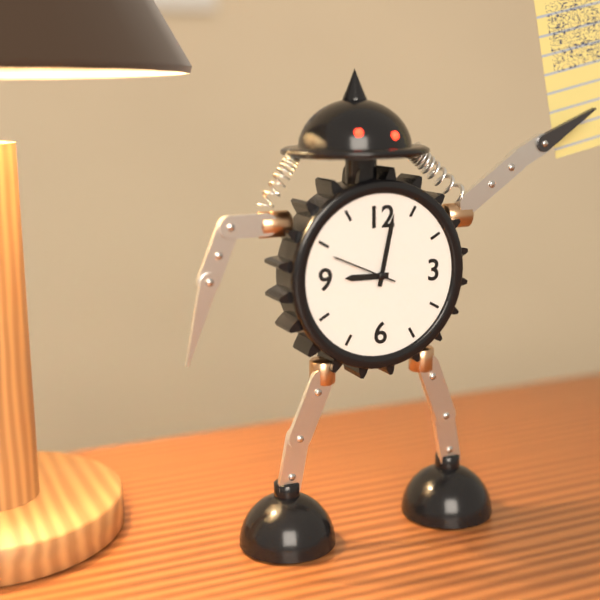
9h02
